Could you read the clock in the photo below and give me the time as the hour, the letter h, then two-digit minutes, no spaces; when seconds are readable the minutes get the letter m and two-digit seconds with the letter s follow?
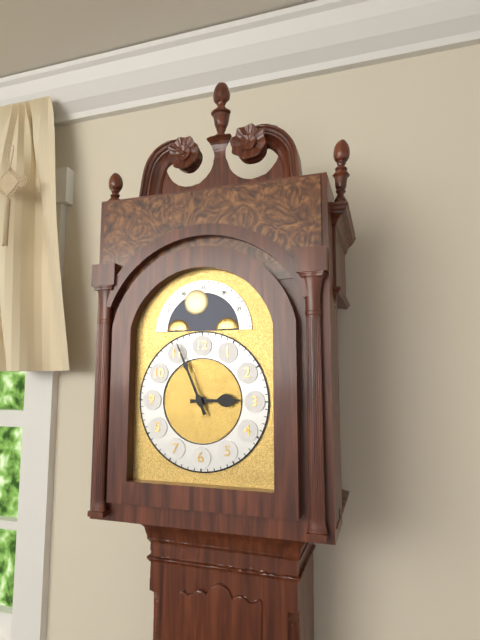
2h56
